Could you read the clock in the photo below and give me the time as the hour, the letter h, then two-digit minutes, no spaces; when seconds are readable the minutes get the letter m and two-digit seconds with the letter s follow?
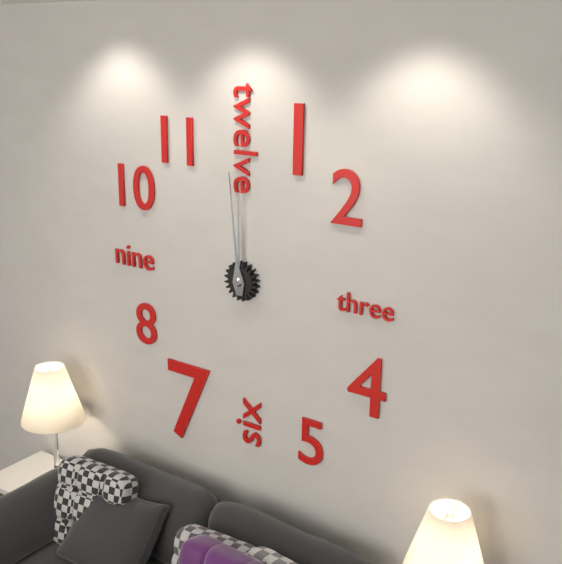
11h59
